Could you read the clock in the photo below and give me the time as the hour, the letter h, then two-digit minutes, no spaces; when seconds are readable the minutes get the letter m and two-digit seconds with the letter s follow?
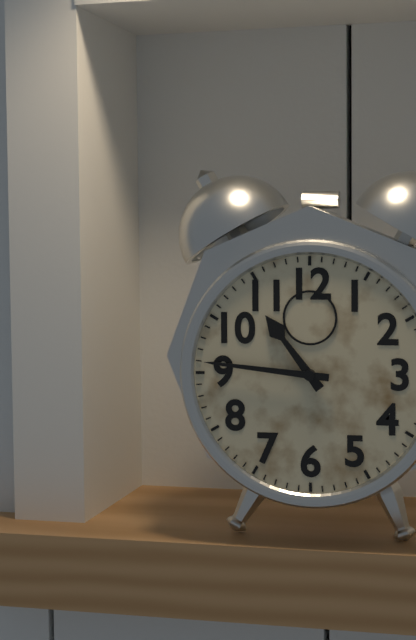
10h46
